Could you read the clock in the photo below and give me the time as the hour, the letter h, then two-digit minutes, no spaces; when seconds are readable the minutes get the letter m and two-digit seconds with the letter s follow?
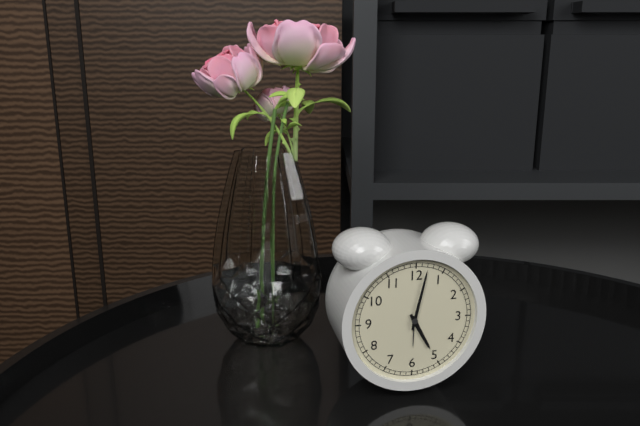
5h02
